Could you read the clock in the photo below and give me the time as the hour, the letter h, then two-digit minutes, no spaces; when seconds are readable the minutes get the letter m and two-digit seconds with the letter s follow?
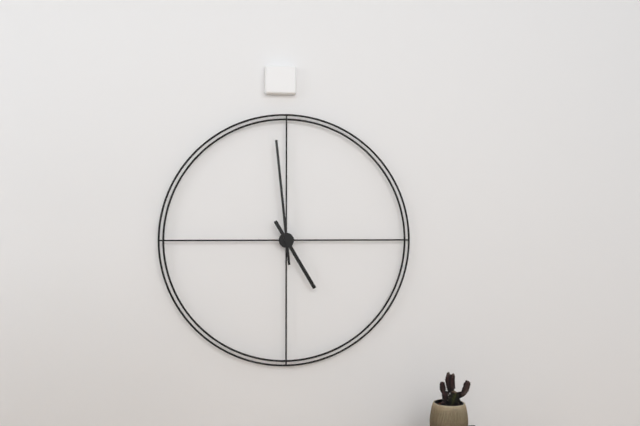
4h59
